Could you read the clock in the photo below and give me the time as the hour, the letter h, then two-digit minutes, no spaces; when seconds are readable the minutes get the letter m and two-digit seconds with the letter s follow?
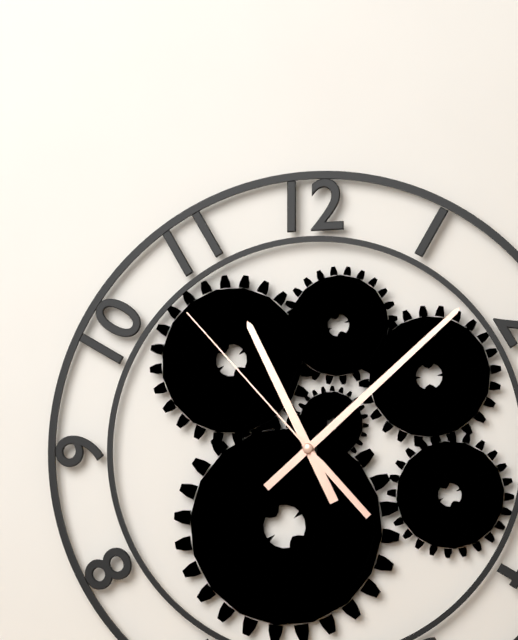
11h08m53s
